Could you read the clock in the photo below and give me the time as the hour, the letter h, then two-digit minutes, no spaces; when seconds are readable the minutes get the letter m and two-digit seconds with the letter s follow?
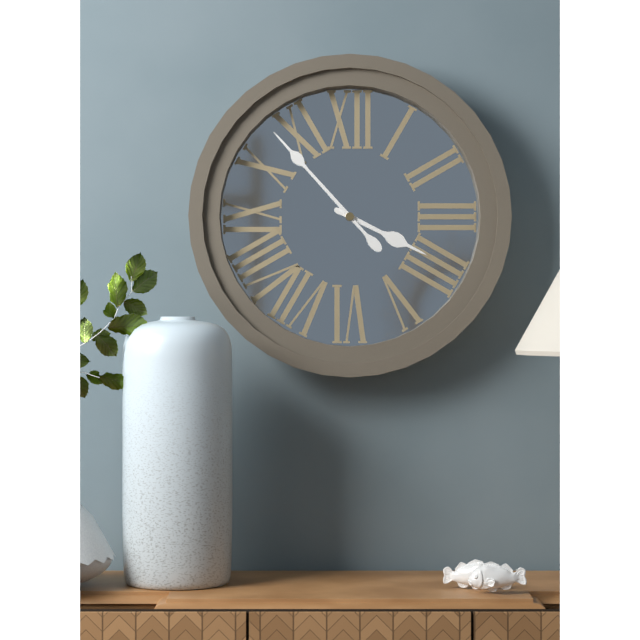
3h53
